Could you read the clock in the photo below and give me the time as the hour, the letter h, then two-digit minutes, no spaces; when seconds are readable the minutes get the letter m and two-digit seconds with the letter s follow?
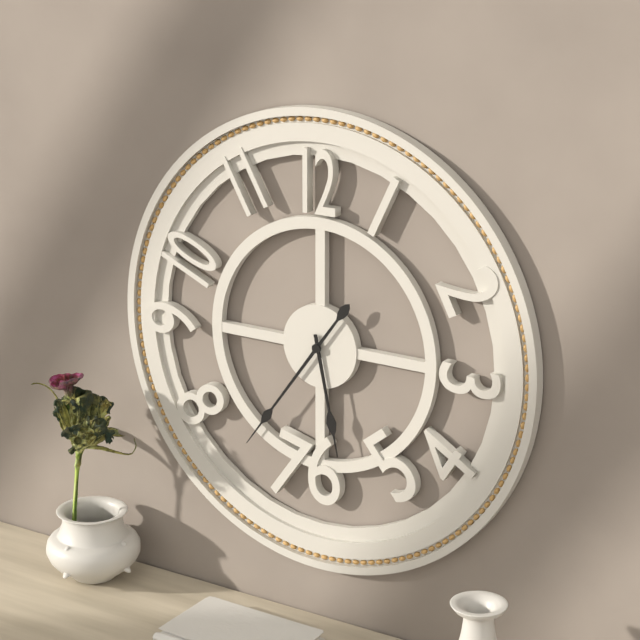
5h36
